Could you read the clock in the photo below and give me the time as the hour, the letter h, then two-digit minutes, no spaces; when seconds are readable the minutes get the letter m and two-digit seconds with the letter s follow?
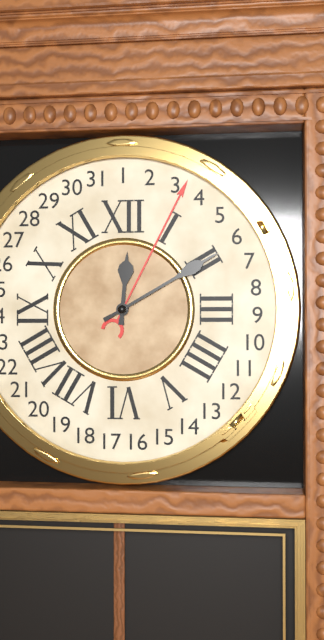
12h10
